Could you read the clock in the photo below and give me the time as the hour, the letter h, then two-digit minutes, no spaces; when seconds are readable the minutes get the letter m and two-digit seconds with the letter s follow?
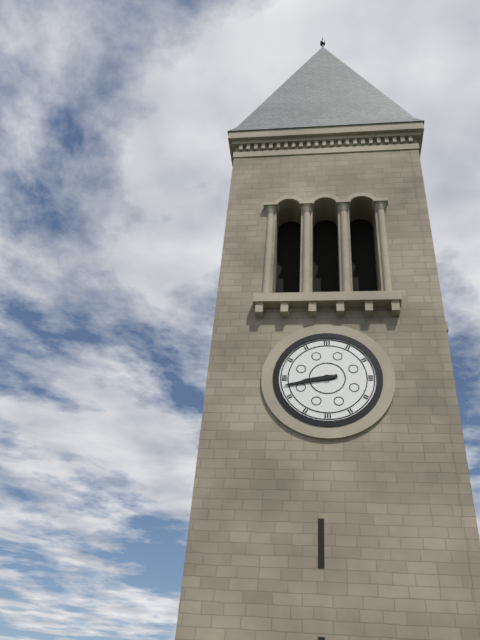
8h43
